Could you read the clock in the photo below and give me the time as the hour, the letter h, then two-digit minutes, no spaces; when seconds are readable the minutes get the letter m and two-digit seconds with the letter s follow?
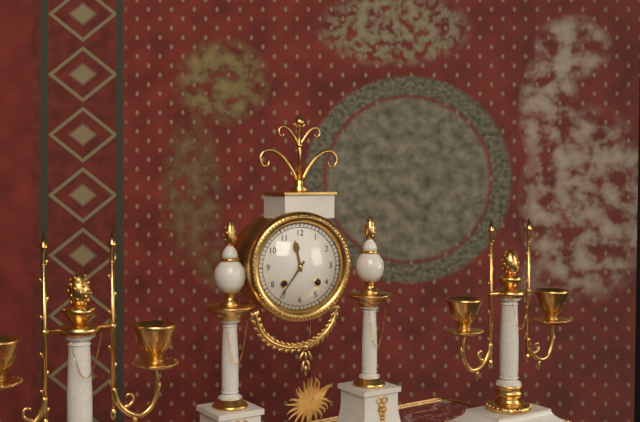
11h36
